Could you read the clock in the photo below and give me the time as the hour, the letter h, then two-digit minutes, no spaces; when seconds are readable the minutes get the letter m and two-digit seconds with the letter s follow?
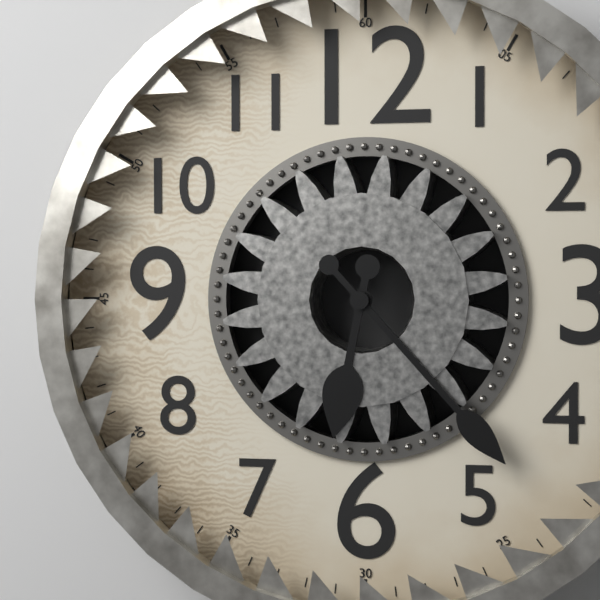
6h23
